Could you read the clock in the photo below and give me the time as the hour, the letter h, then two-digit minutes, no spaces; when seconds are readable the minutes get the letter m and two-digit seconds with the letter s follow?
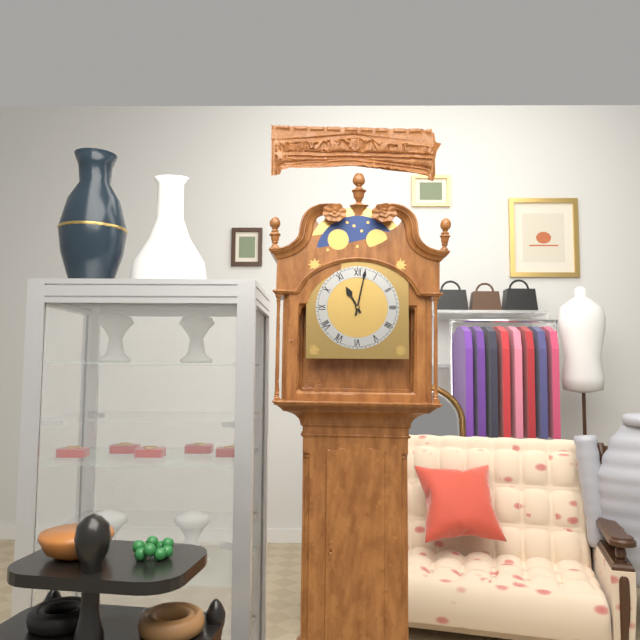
11h02
